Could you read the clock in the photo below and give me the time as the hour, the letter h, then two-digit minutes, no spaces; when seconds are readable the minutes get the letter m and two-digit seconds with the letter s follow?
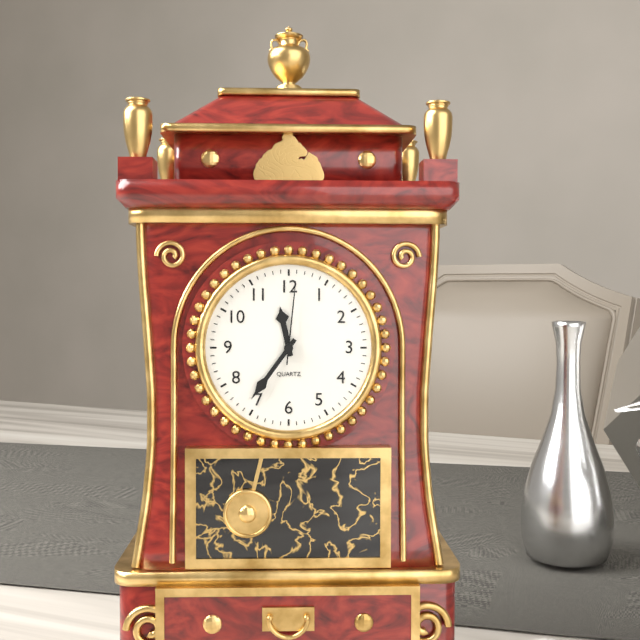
11h36m01s
